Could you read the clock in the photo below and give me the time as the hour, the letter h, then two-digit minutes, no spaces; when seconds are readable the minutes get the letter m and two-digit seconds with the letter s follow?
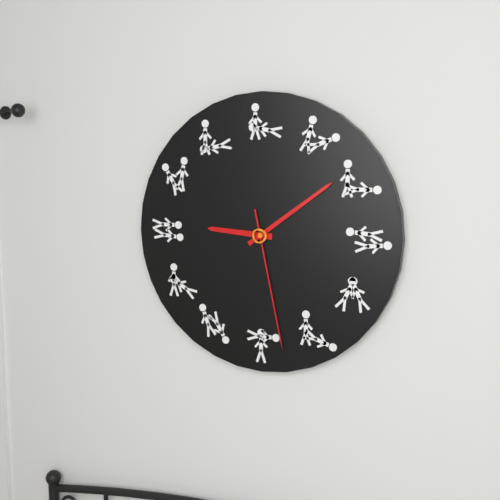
9h09m28s
